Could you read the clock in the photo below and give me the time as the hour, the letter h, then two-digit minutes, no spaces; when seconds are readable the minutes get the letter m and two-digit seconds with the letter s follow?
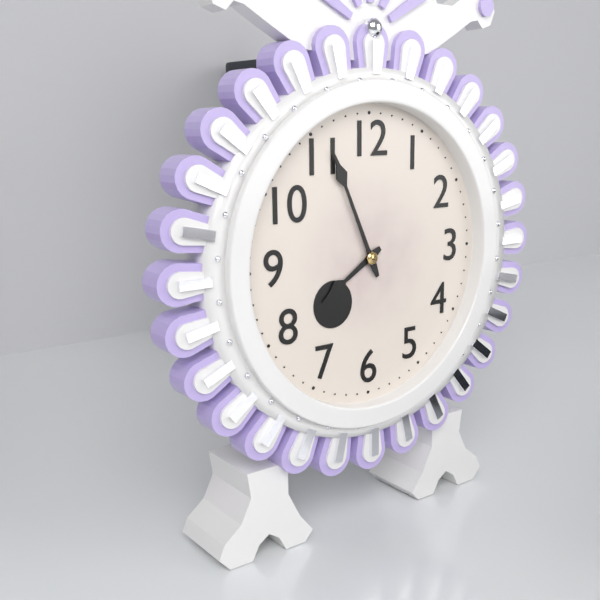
7h56
